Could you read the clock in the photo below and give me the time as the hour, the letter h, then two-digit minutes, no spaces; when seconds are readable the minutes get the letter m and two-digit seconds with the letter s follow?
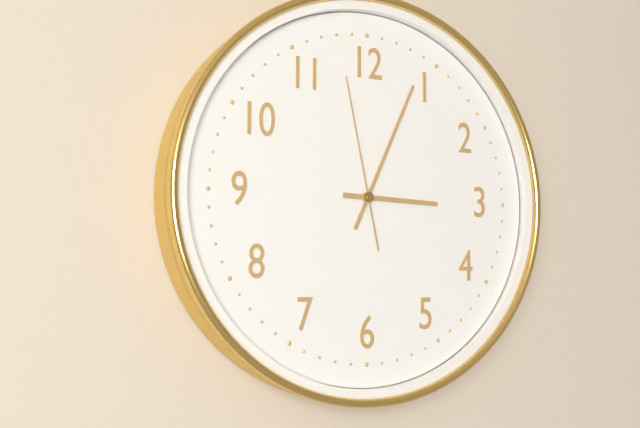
3h04m58s
